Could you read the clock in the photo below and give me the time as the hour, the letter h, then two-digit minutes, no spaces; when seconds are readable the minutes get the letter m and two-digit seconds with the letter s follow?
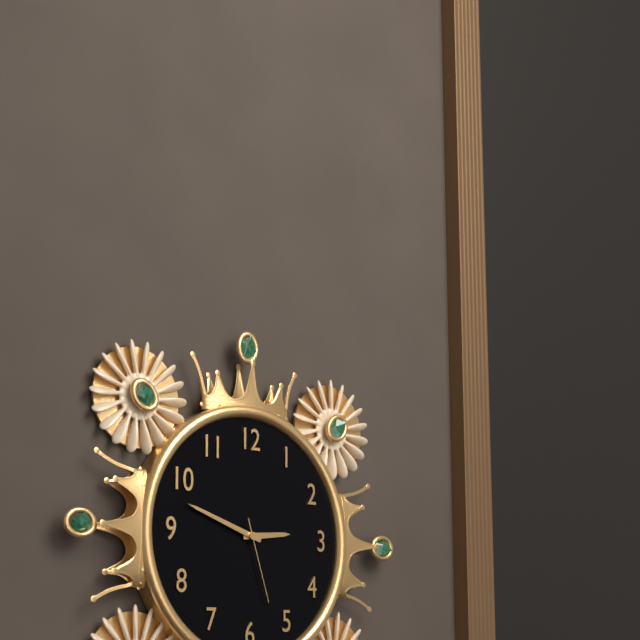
2h48m27s
